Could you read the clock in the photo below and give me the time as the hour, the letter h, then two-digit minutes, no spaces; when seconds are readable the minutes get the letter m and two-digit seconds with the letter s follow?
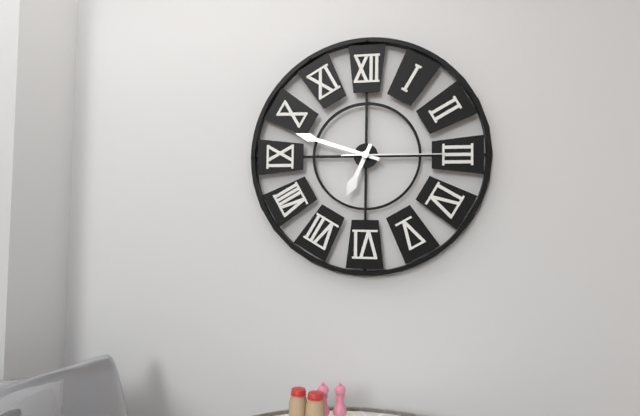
6h48m15s
